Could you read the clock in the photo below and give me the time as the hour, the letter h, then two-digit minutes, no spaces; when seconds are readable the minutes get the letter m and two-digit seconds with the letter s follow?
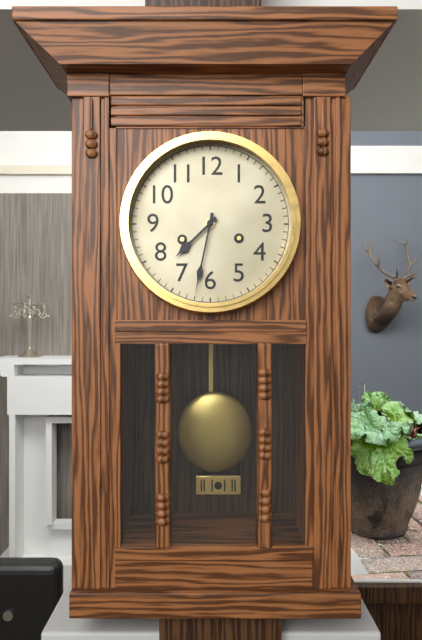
7h32
